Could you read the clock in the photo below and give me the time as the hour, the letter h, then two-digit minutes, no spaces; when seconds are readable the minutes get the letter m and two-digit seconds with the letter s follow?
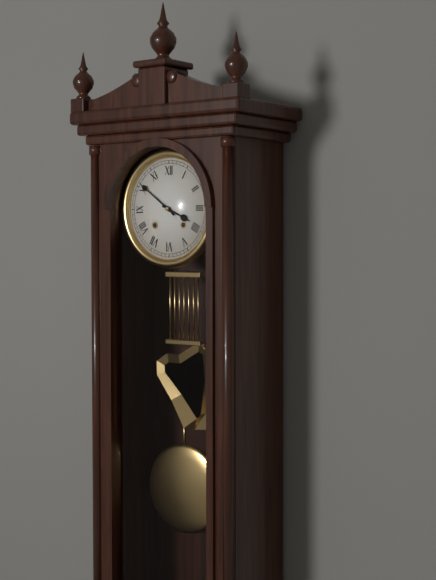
3h51
